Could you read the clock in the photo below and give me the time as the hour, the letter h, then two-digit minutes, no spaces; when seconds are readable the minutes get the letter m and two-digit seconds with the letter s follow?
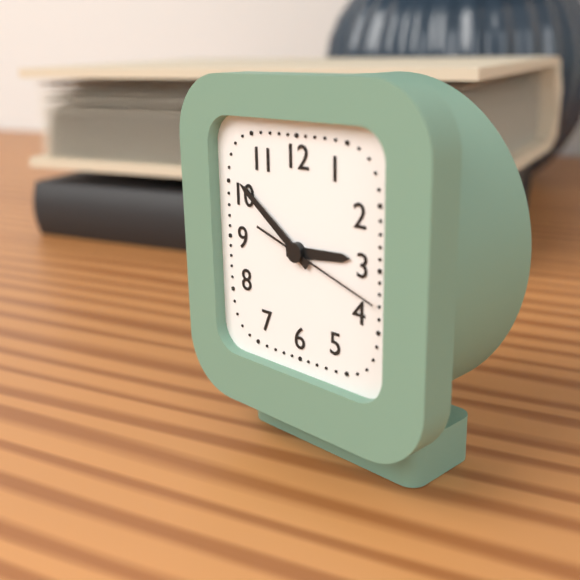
2h51m18s
